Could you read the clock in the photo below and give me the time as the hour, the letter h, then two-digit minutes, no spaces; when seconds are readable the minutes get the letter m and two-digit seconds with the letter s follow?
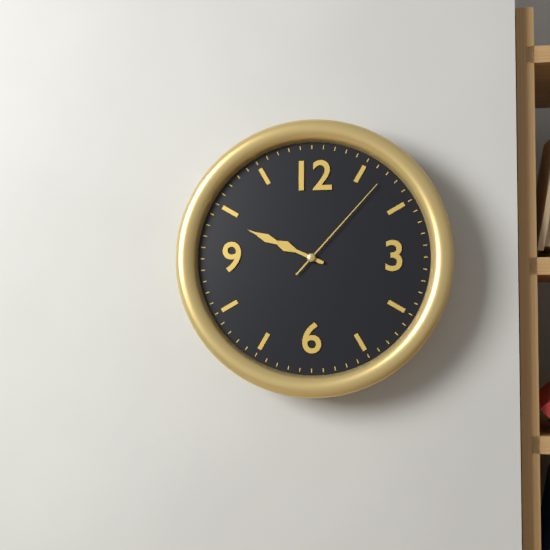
9h49m07s
